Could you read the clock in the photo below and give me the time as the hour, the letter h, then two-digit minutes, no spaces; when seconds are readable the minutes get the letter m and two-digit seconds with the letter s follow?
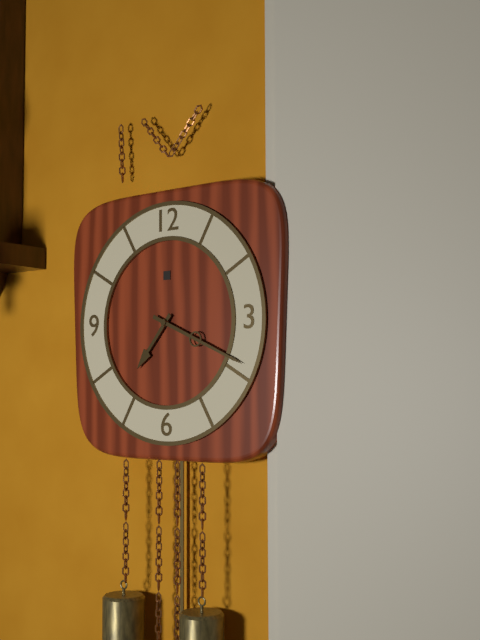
7h19
